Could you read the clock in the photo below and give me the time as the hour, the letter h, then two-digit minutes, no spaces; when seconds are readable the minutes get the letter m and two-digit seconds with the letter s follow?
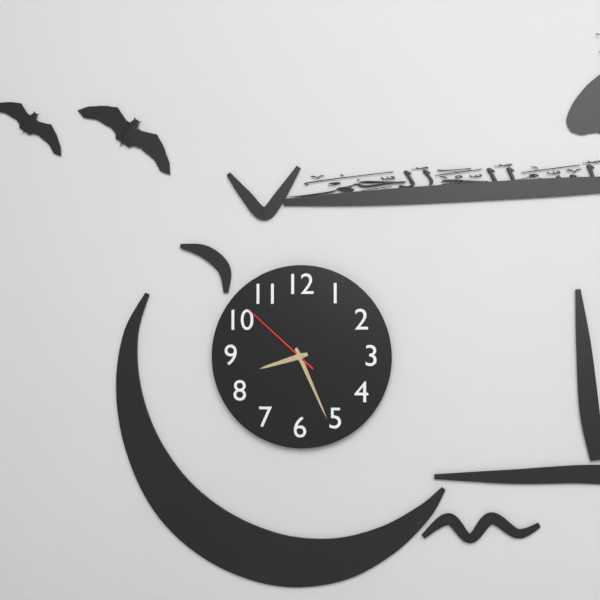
8h26m52s
